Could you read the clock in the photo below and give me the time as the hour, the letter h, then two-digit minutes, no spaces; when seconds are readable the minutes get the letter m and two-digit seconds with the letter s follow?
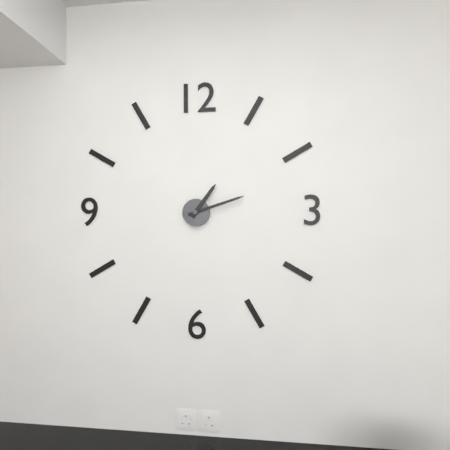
1h12
